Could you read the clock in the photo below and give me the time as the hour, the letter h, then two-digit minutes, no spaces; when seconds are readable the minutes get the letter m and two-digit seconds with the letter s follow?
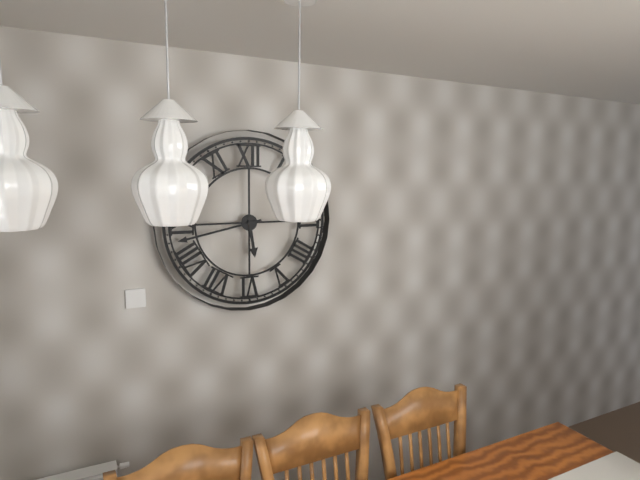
5h43
